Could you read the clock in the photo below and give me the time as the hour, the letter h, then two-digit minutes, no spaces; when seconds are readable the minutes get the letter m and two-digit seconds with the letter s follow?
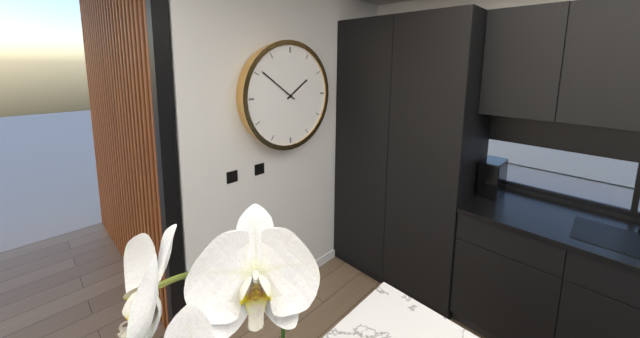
1h51
